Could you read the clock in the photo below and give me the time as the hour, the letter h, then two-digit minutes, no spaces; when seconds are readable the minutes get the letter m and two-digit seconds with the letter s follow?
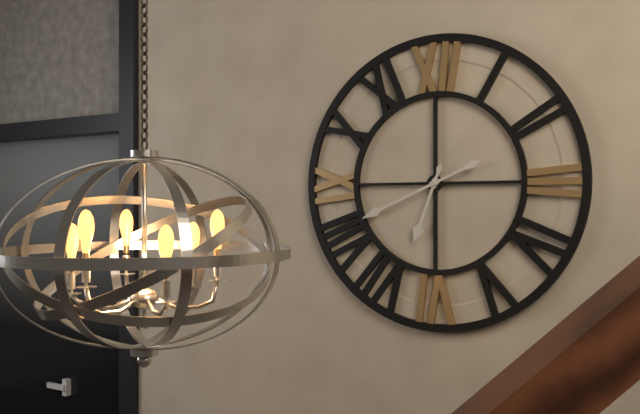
6h41
